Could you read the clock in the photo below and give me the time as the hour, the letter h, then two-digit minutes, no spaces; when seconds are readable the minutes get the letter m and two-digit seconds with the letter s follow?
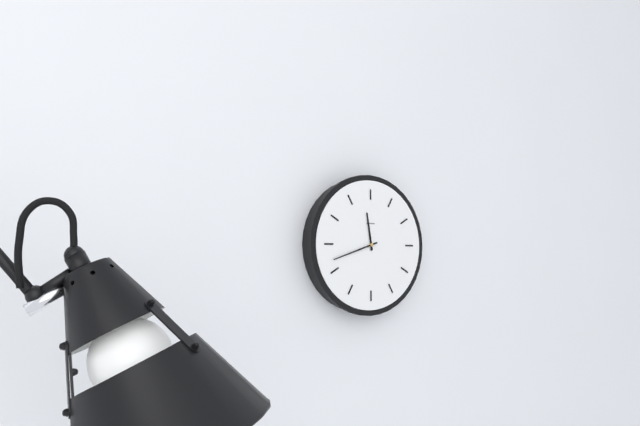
11h42
